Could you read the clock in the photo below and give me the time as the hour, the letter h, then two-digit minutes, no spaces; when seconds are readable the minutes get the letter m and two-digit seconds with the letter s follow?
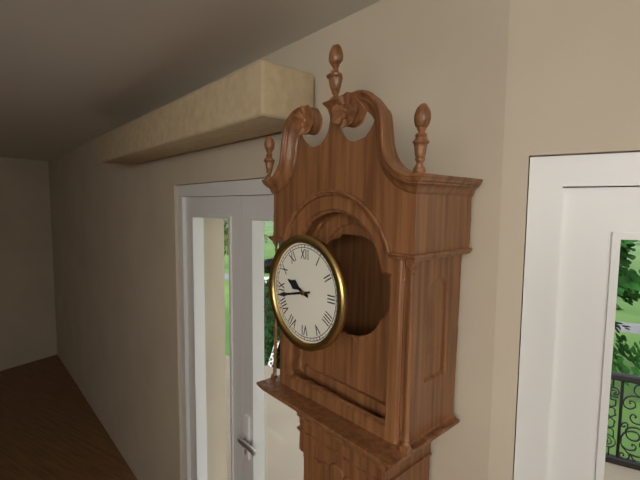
9h43
